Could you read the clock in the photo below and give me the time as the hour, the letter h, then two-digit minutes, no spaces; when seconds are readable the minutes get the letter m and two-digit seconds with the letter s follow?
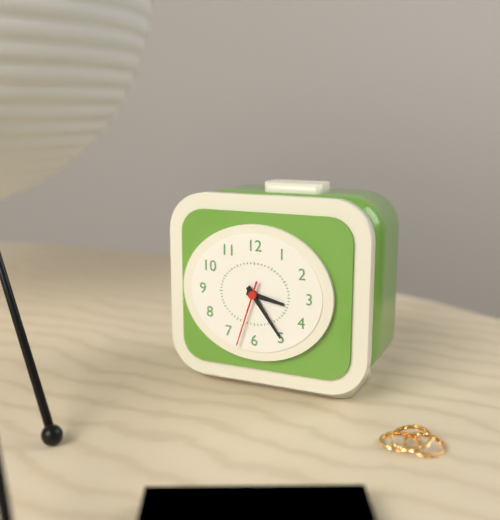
3h24m33s
